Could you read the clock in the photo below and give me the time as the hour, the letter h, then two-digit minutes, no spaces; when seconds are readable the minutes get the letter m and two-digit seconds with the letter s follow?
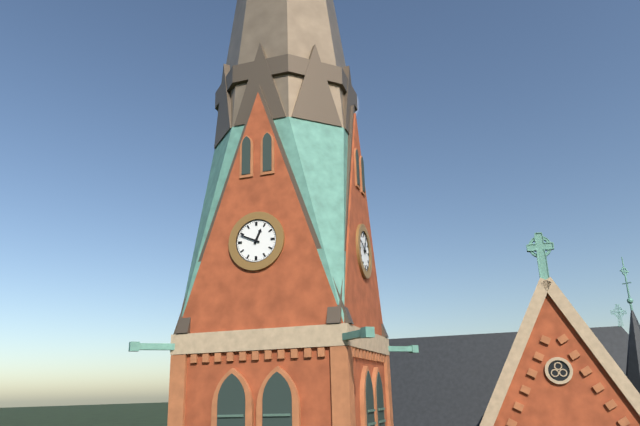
12h49
